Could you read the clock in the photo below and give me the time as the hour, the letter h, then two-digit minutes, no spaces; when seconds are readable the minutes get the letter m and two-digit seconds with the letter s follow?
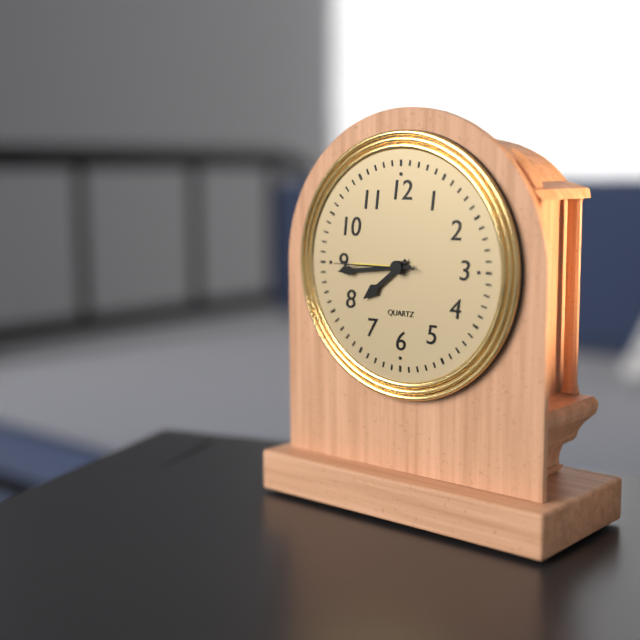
7h44m45s
